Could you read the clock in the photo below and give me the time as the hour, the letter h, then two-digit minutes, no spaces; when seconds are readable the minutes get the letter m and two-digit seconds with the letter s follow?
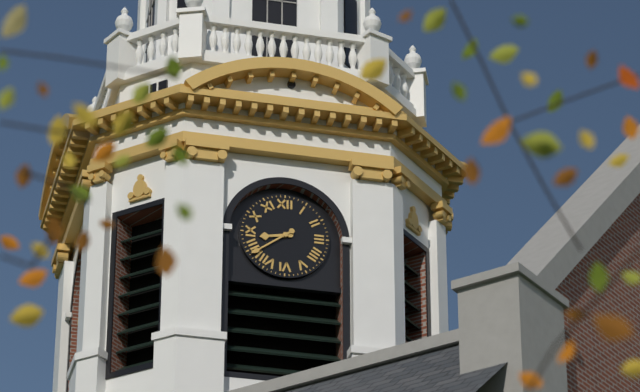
8h39
